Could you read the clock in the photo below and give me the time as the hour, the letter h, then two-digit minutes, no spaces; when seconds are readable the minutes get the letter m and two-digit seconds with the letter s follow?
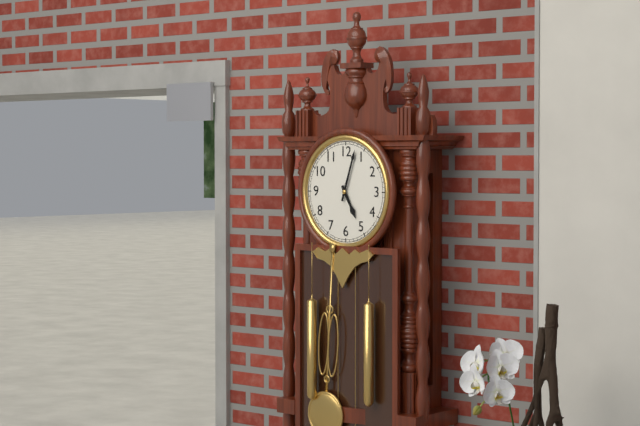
5h03
